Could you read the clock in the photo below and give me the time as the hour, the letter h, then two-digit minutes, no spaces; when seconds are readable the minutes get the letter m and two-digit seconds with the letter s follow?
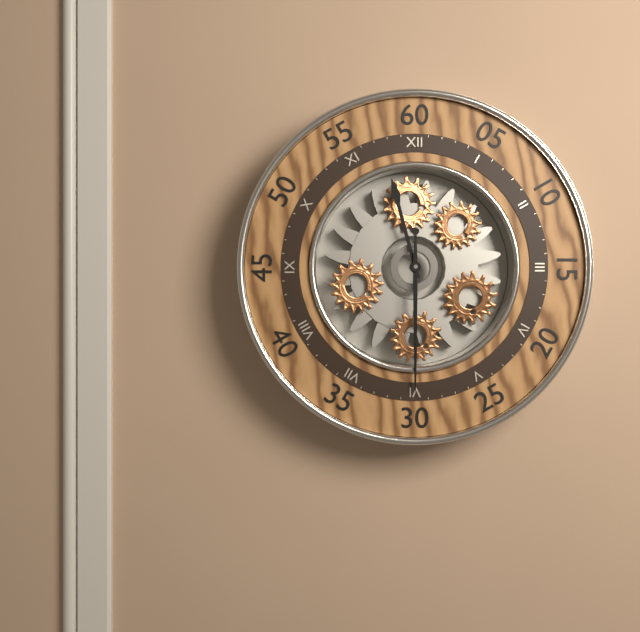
11h30
